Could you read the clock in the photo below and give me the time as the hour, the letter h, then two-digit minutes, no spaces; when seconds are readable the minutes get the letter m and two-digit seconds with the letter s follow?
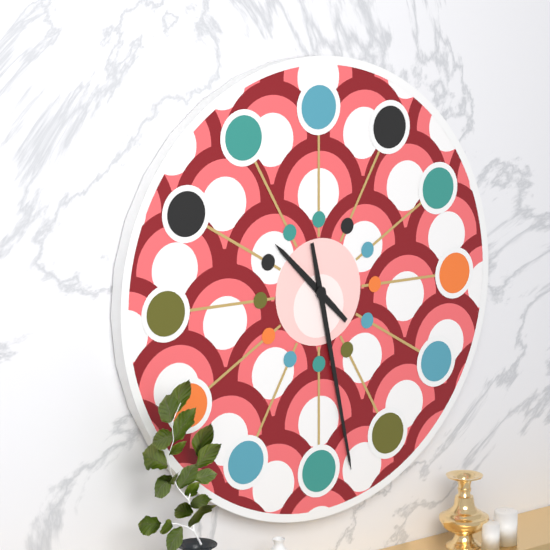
10h28
